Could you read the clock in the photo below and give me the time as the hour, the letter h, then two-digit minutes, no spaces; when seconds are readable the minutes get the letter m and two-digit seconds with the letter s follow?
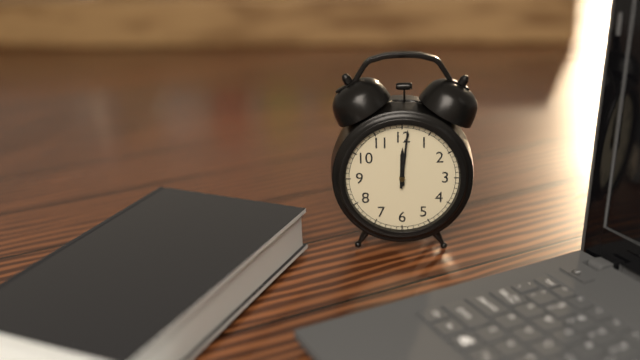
12h01
